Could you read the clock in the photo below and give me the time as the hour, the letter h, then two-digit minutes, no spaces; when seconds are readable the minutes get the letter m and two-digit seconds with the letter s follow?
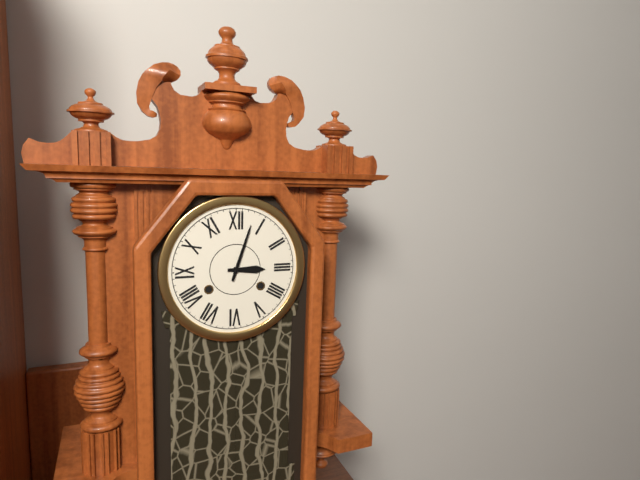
3h03
